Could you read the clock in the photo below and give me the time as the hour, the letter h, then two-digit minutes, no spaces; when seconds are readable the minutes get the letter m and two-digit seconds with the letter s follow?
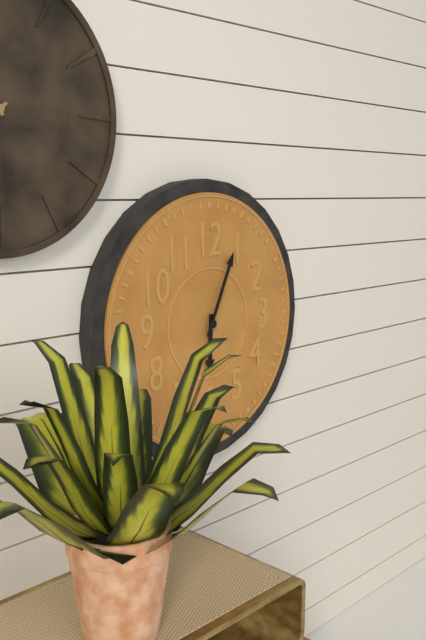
6h04
